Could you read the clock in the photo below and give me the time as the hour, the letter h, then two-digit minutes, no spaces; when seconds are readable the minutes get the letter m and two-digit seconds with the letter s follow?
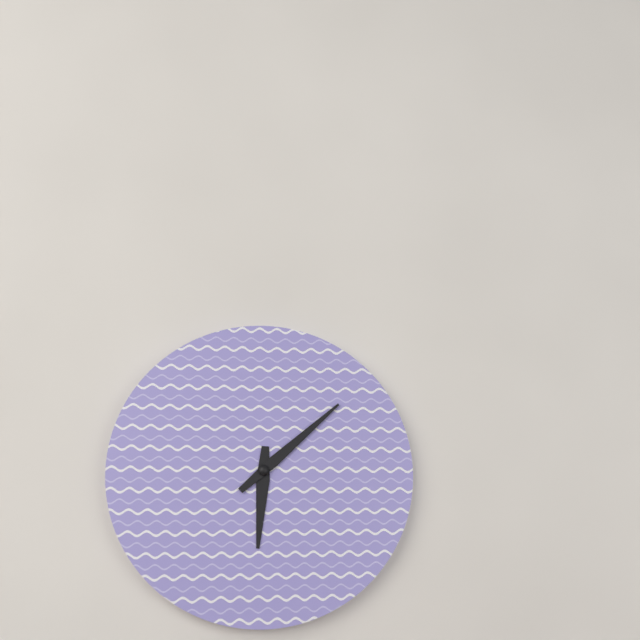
6h08
